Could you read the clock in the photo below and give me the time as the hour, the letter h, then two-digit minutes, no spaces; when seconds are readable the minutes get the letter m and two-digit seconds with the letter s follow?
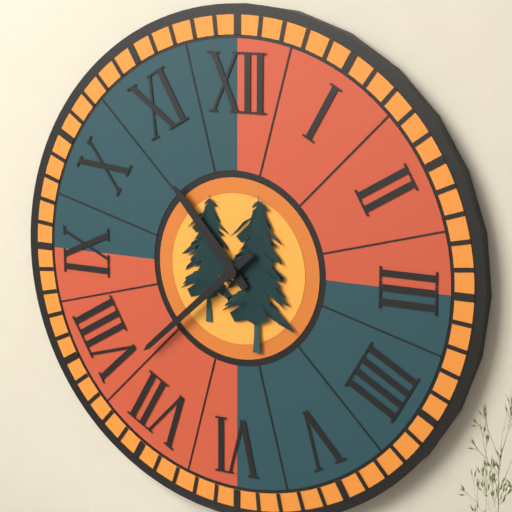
10h38
